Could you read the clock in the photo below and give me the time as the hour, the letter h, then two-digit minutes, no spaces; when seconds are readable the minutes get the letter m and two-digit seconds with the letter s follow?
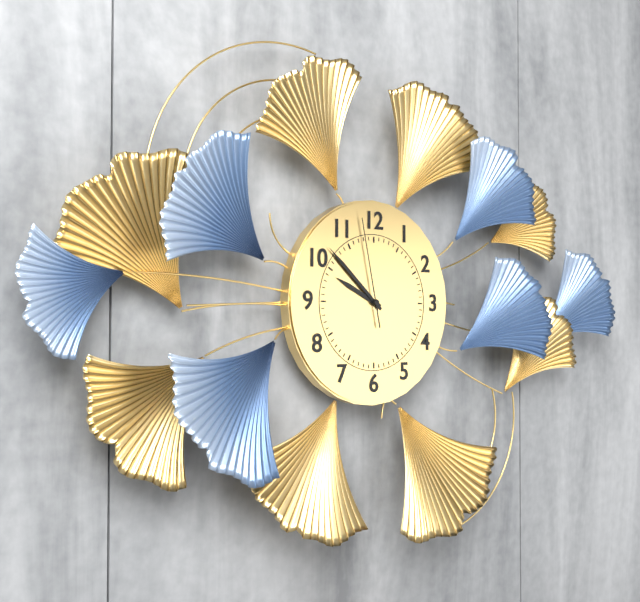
9h52m58s
